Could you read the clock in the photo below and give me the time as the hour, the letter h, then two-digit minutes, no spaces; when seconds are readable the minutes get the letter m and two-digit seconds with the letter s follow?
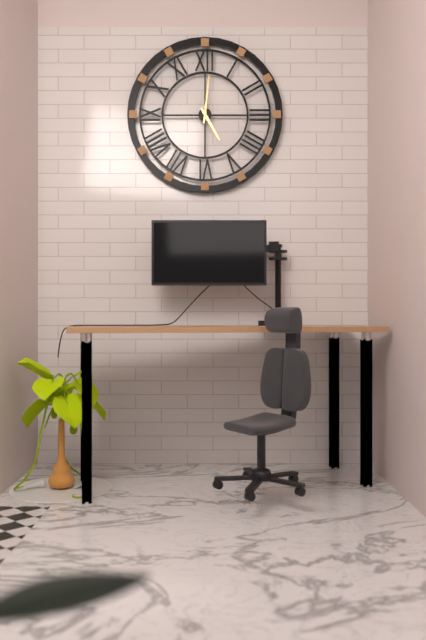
5h01
